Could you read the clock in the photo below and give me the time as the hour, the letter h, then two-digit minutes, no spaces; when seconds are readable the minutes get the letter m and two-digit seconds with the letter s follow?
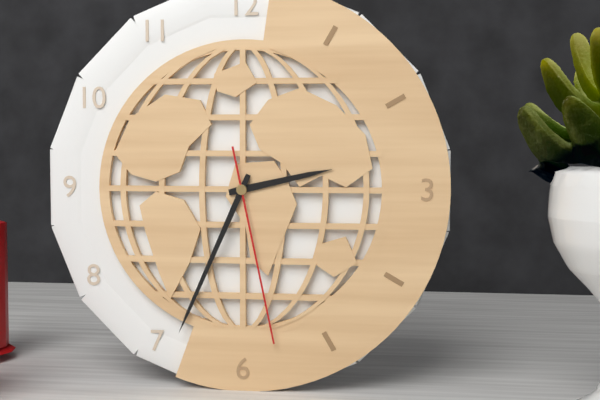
2h34m28s
